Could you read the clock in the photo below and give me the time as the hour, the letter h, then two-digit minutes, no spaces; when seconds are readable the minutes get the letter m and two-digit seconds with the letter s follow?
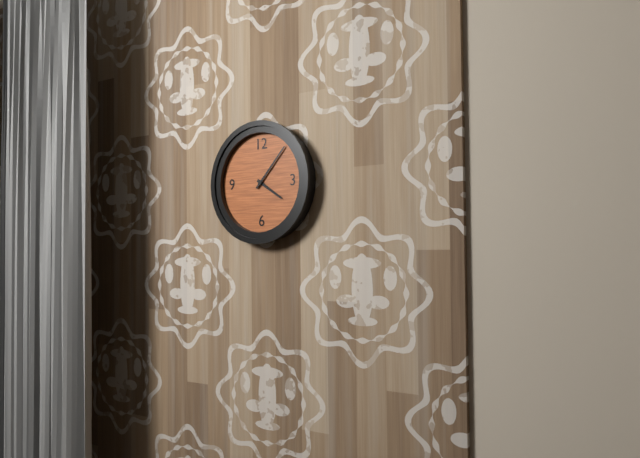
4h07
